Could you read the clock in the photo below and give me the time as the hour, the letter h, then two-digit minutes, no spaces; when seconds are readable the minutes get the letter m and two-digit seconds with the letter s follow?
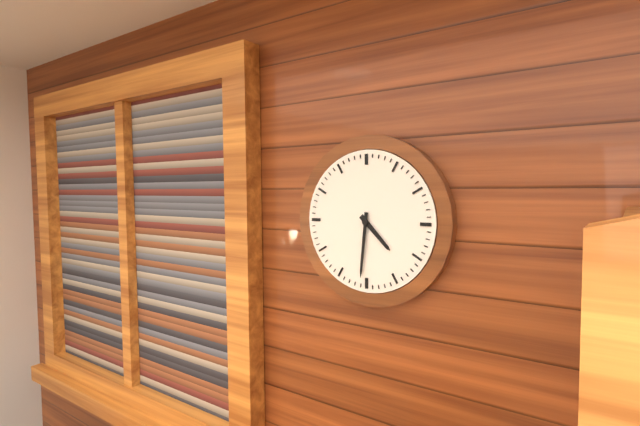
4h31
